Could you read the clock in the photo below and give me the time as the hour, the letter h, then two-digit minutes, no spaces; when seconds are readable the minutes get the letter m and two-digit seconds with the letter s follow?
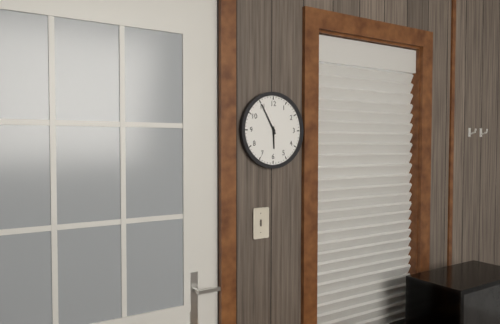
5h55
